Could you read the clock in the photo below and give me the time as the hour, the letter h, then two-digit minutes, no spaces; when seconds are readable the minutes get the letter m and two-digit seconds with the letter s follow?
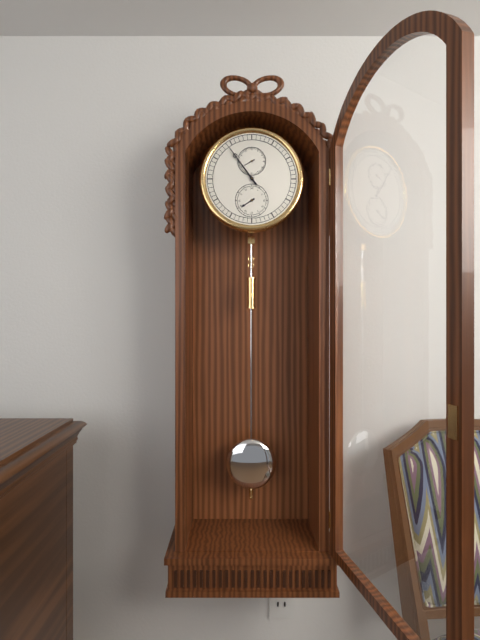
7h54
